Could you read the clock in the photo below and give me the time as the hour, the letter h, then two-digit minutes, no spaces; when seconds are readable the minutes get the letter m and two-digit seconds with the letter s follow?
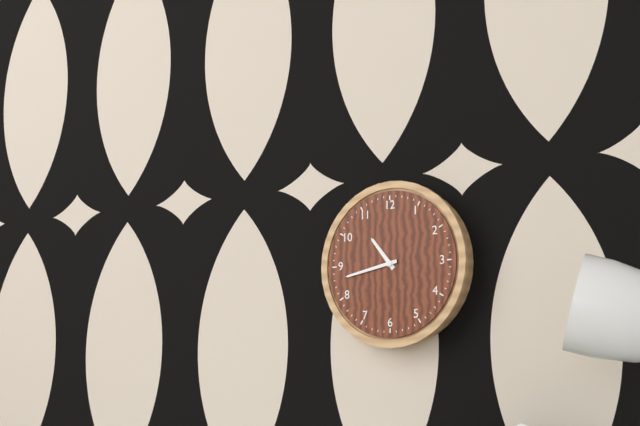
10h43
